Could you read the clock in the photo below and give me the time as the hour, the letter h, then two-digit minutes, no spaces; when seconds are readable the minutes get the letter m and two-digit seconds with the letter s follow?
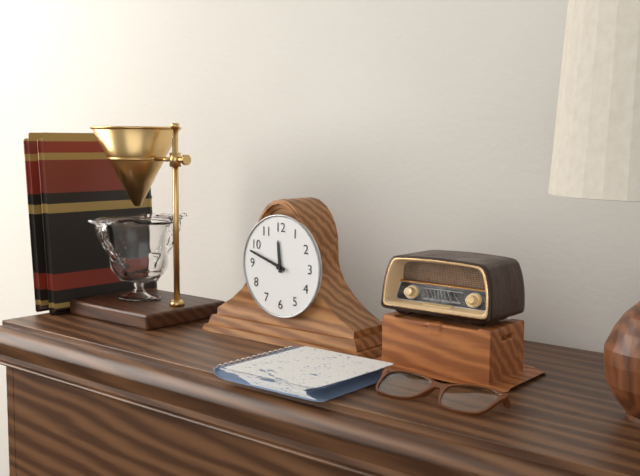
11h48
